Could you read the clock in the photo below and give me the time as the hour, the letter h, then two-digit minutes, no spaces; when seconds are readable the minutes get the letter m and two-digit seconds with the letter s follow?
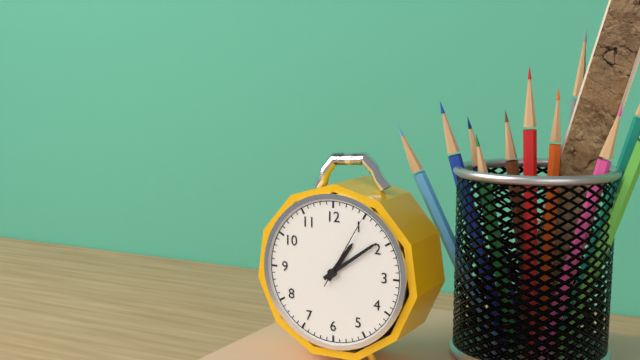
1h09m05s
